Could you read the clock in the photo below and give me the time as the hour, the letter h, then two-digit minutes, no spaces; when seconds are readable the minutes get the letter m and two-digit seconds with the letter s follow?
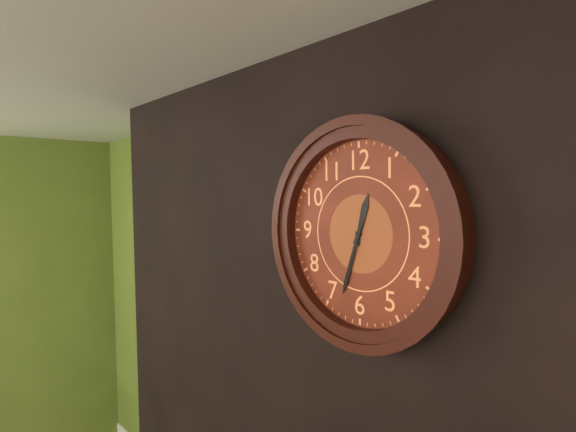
12h33
